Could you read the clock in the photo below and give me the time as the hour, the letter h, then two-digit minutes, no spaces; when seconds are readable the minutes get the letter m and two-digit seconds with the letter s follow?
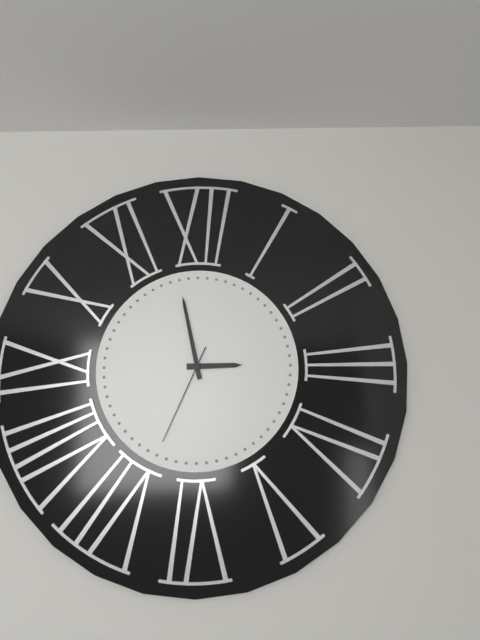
2h58m34s
